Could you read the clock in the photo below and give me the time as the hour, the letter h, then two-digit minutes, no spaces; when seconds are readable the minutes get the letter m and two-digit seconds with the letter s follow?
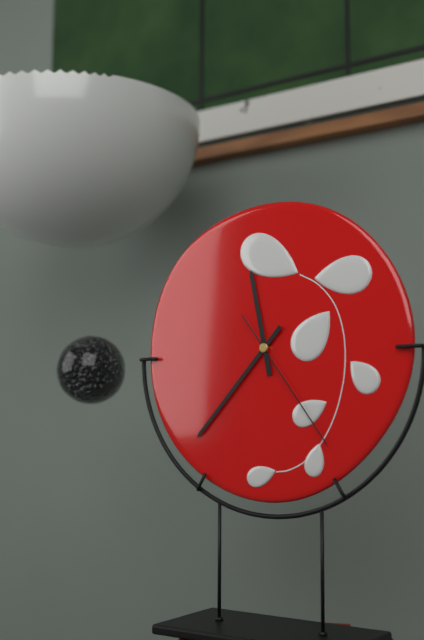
11h37m24s
